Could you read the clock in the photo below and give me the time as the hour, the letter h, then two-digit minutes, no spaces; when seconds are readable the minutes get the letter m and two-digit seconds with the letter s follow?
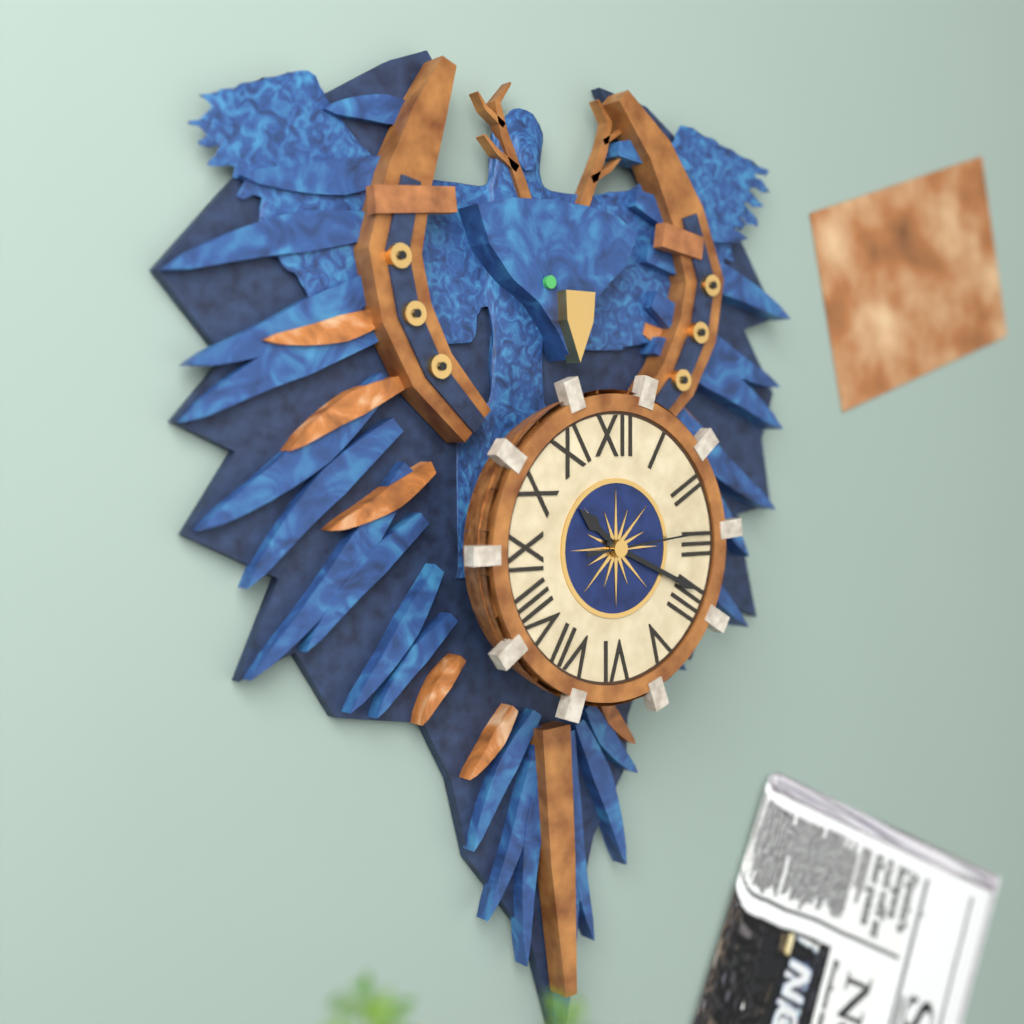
10h19m14s
